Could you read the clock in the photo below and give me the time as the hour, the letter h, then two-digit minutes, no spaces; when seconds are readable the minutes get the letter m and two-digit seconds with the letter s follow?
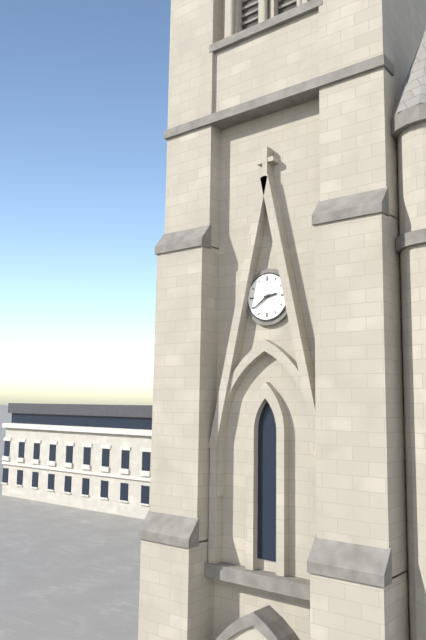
2h39
